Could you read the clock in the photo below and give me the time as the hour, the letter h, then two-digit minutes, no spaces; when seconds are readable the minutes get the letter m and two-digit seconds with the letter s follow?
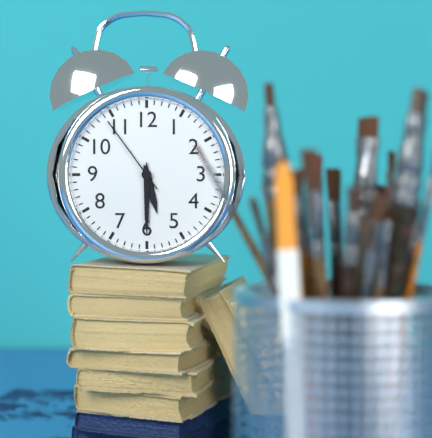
5h30m54s
